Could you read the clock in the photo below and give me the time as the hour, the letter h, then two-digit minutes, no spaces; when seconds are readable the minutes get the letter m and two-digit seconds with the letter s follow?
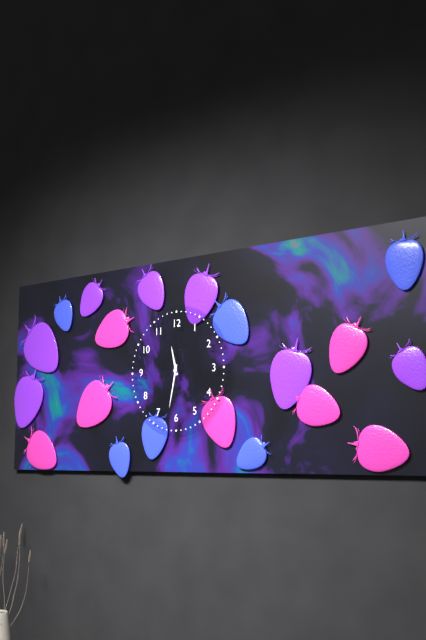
11h32
